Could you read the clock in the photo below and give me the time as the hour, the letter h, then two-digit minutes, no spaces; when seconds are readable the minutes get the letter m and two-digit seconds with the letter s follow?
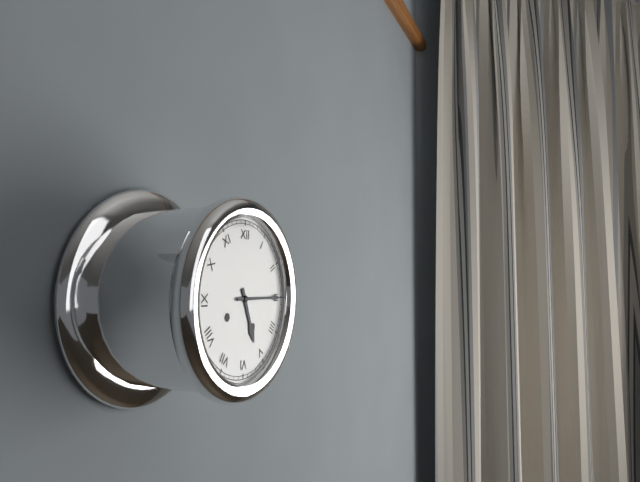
5h15
